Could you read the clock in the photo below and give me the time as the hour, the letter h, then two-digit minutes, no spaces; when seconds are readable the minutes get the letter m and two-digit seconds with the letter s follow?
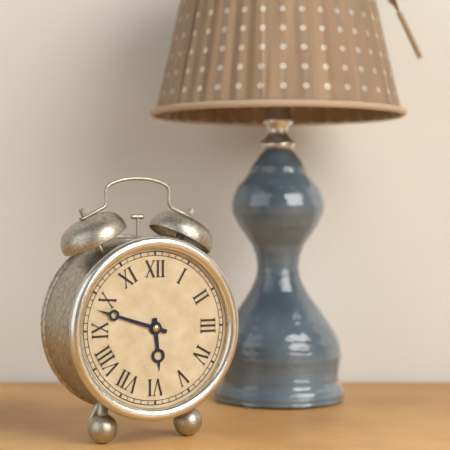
5h48
